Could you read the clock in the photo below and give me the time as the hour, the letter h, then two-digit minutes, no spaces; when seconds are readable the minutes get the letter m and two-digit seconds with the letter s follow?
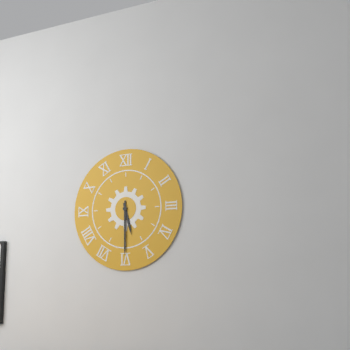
5h30
